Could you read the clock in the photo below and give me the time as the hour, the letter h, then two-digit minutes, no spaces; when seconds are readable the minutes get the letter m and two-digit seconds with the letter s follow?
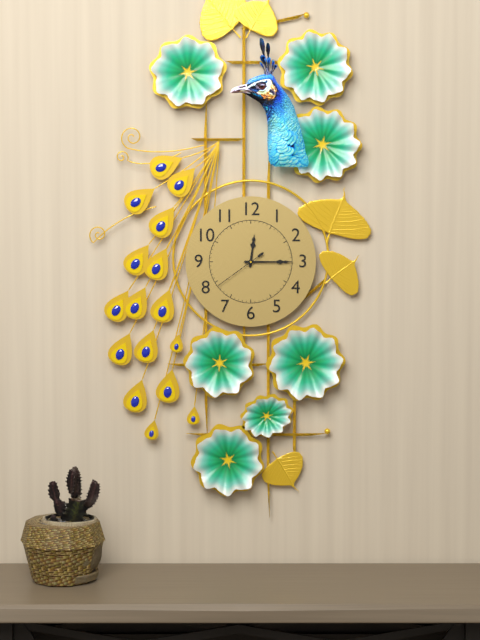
12h15m39s
